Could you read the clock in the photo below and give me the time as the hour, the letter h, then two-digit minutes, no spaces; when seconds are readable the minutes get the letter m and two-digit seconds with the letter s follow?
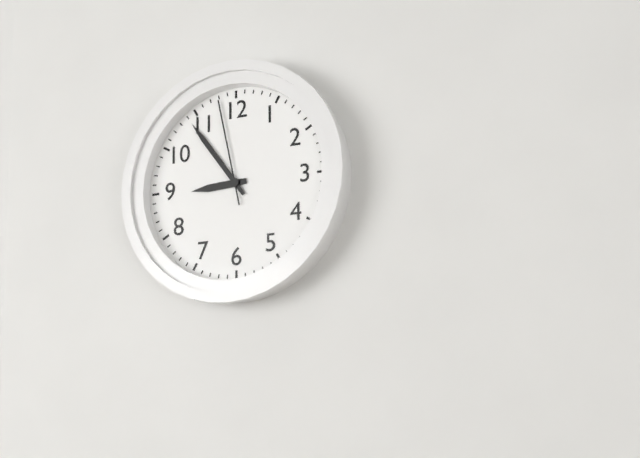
8h54m58s
